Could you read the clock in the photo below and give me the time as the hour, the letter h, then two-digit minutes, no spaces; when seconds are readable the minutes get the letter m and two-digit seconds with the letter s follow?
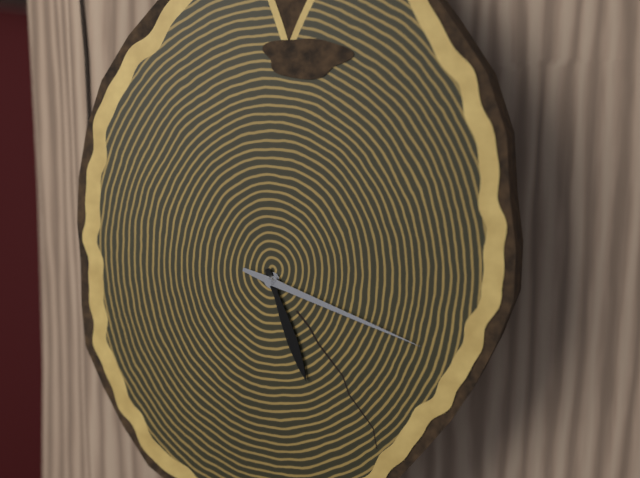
5h18
